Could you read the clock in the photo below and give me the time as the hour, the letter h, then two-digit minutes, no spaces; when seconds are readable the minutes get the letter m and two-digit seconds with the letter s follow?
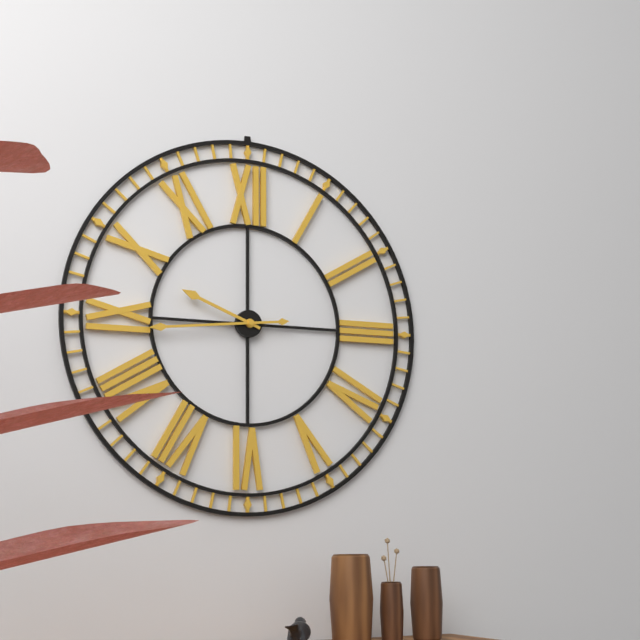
9h44
